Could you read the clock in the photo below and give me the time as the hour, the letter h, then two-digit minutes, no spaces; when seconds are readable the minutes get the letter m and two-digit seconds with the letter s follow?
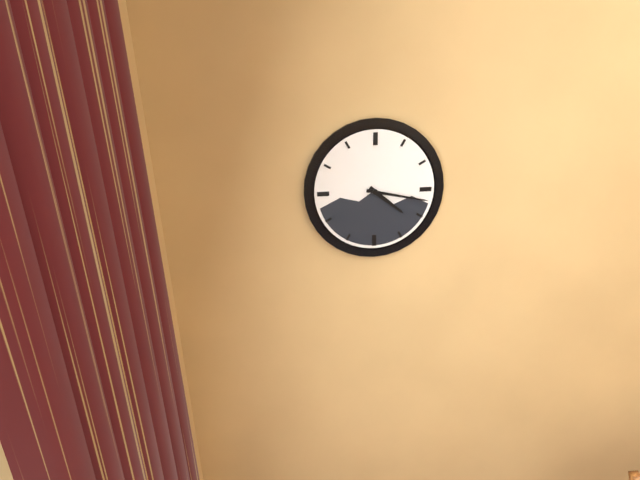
4h17
